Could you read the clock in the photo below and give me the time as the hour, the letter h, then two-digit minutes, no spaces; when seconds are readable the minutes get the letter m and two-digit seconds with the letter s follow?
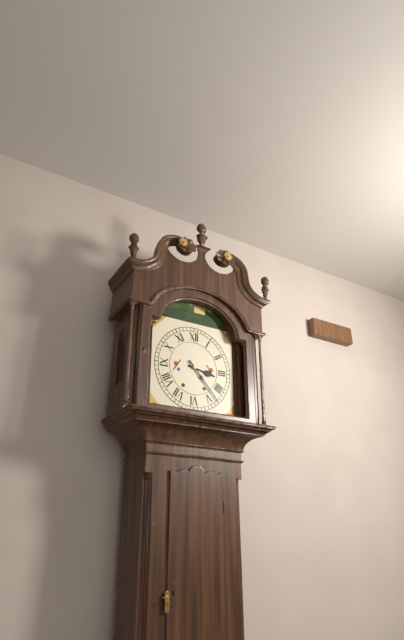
3h23
